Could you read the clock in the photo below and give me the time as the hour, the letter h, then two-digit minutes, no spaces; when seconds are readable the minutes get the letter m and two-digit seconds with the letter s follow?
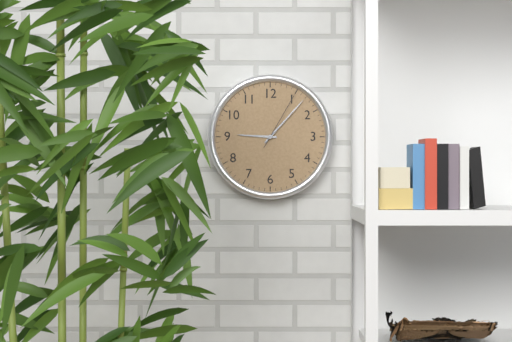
9h07m05s
